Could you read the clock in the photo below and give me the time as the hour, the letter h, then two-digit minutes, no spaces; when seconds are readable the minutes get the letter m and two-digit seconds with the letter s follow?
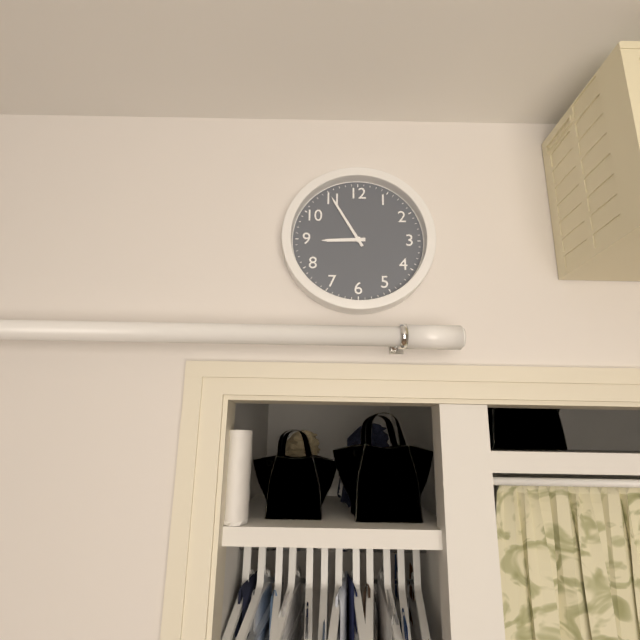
8h55
